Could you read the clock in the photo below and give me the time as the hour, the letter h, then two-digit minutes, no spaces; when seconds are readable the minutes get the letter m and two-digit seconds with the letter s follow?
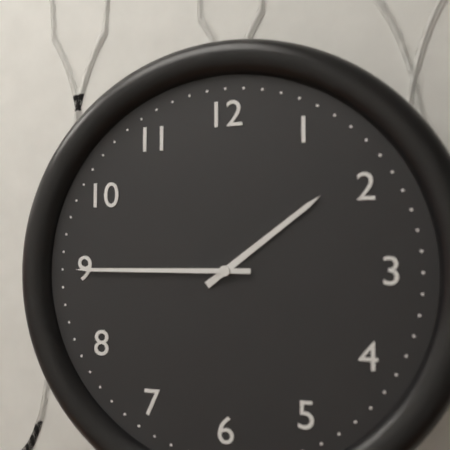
1h45
